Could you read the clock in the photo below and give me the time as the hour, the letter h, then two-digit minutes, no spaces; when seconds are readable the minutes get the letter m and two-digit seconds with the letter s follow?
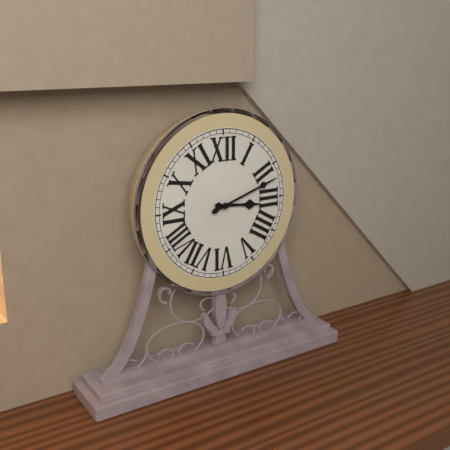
3h12
